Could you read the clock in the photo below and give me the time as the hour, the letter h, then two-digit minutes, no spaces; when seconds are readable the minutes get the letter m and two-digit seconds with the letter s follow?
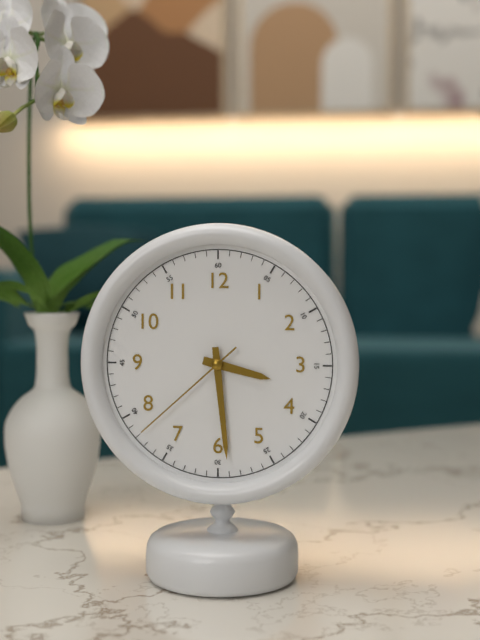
3h29m38s
